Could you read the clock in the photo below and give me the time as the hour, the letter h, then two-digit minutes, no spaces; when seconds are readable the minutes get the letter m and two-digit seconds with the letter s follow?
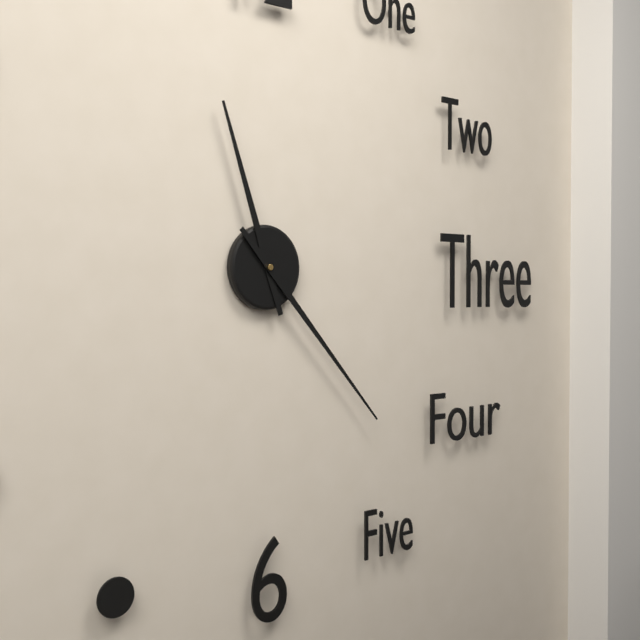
11h23
